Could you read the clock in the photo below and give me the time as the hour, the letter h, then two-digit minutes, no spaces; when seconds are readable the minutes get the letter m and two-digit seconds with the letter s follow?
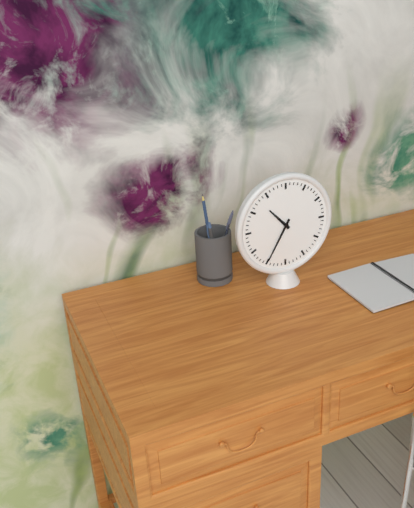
10h35
